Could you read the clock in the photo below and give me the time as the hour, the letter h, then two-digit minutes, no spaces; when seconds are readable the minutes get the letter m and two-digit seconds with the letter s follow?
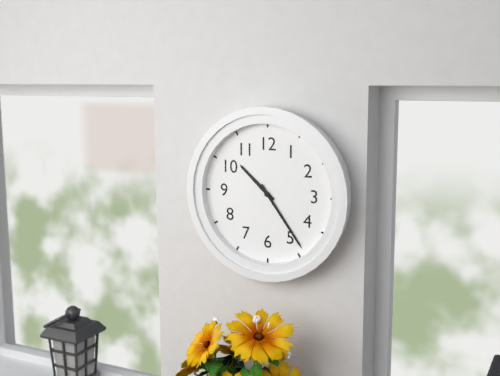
10h24
